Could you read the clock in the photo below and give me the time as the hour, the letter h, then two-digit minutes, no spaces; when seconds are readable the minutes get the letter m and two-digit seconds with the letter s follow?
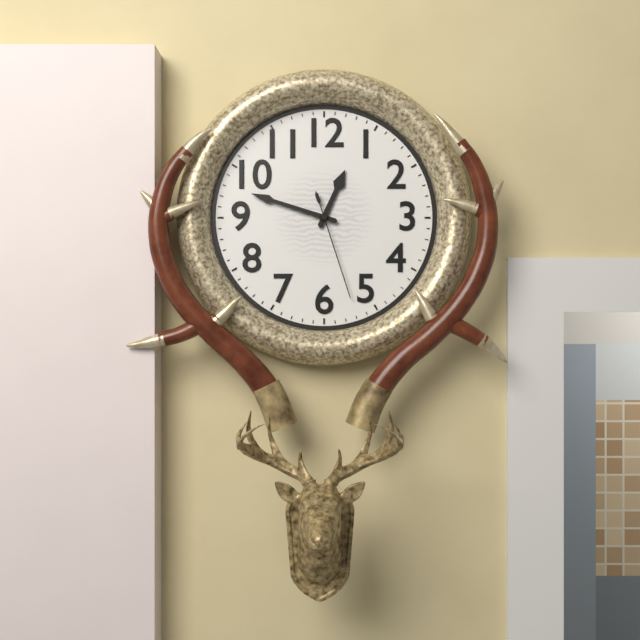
12h48m27s
